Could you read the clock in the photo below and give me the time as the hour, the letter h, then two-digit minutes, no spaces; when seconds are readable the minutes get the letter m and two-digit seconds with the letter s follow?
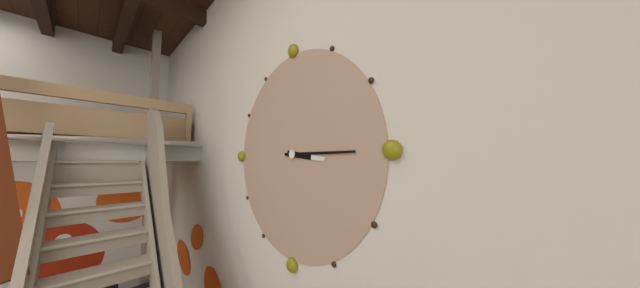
3h15
